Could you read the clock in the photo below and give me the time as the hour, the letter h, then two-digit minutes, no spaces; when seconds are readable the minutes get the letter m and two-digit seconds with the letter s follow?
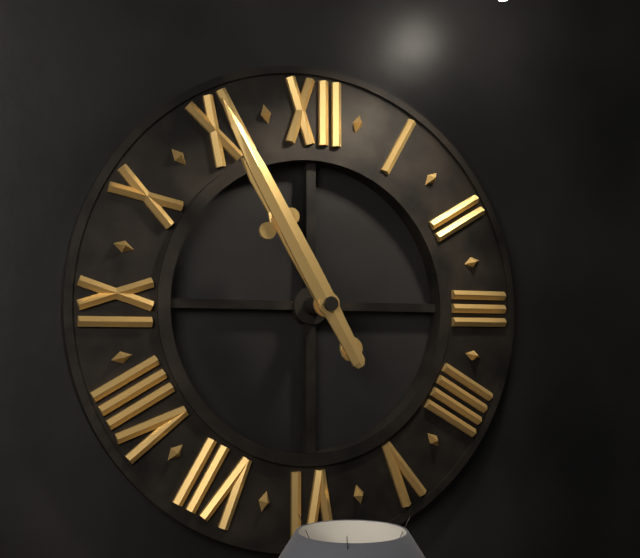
10h55
